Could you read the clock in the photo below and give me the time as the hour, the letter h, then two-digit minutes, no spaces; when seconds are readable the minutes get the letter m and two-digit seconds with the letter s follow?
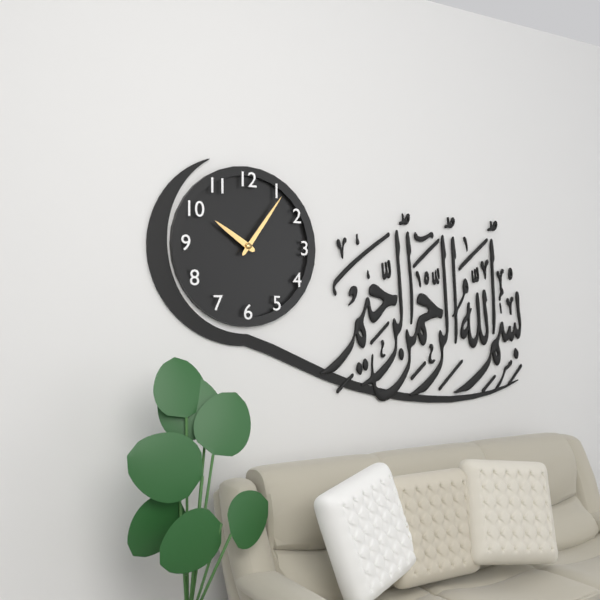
10h06
